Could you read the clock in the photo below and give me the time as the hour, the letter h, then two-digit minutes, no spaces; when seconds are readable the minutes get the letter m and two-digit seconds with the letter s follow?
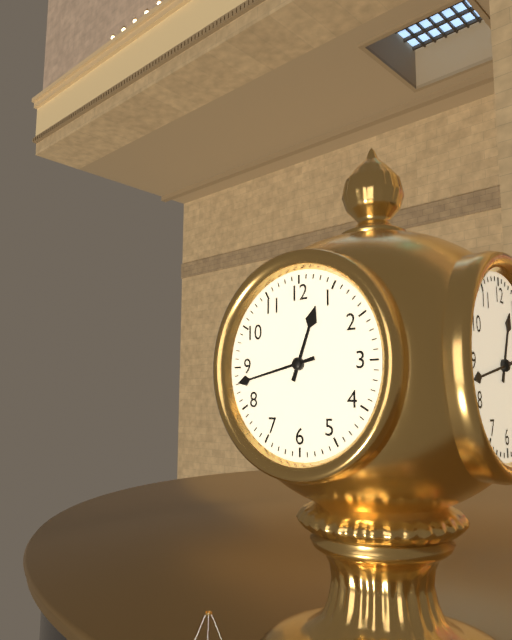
12h43
